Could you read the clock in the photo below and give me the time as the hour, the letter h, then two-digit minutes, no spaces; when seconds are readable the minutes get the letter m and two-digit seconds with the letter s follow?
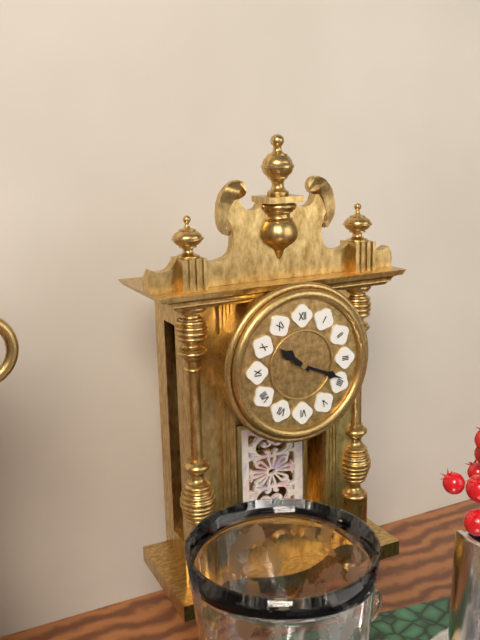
10h19
